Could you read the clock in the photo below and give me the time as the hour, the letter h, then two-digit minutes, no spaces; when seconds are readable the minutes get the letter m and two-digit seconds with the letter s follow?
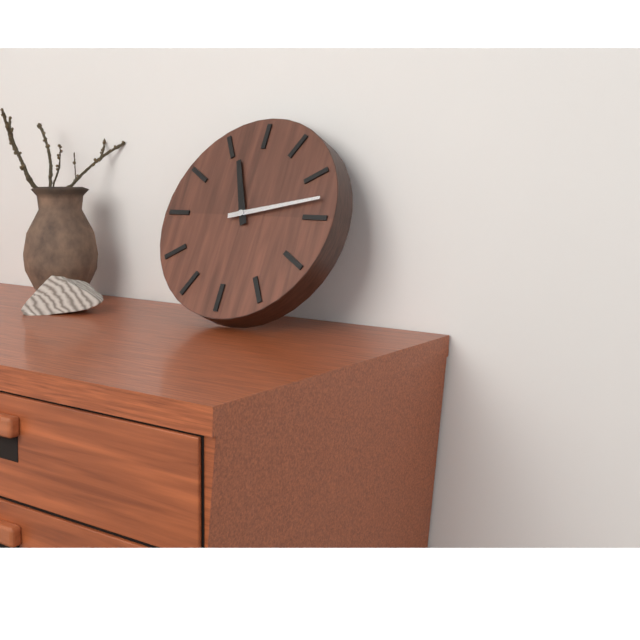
11h13
